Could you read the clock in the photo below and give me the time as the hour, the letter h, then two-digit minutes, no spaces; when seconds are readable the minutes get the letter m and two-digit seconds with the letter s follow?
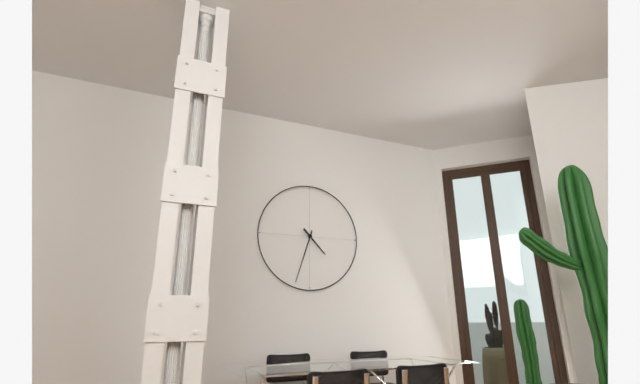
4h33
